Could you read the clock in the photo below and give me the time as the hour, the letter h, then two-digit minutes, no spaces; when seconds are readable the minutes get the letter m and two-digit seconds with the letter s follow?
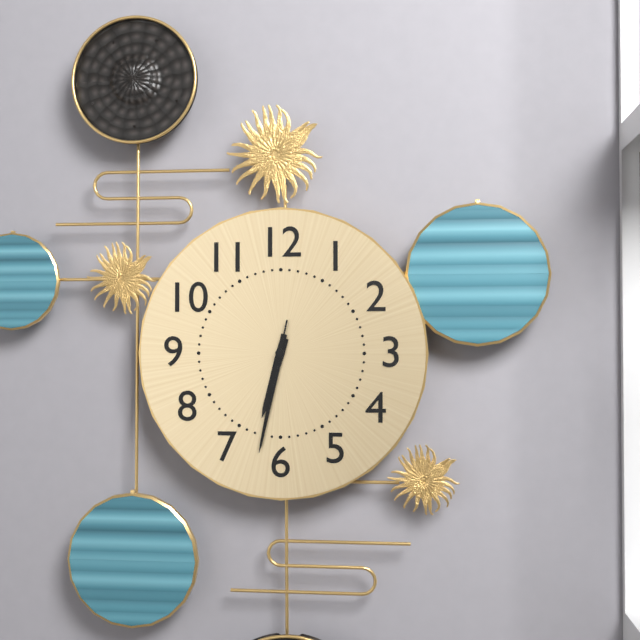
6h32m32s
